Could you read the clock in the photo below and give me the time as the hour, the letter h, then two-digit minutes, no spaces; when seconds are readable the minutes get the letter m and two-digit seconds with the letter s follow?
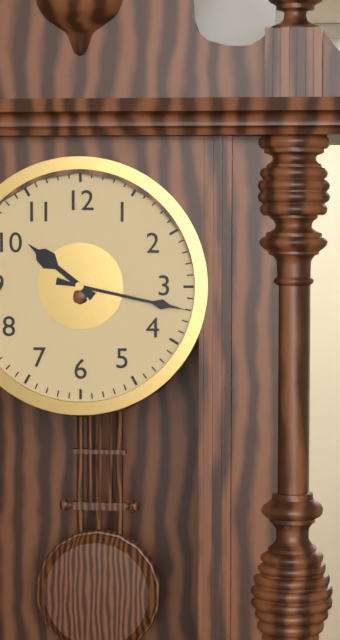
10h17
